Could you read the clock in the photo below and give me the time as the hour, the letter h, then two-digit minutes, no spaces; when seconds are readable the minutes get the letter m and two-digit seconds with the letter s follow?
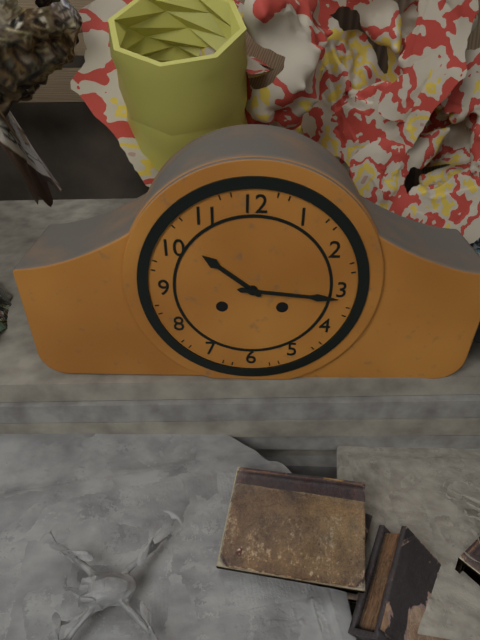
10h16
